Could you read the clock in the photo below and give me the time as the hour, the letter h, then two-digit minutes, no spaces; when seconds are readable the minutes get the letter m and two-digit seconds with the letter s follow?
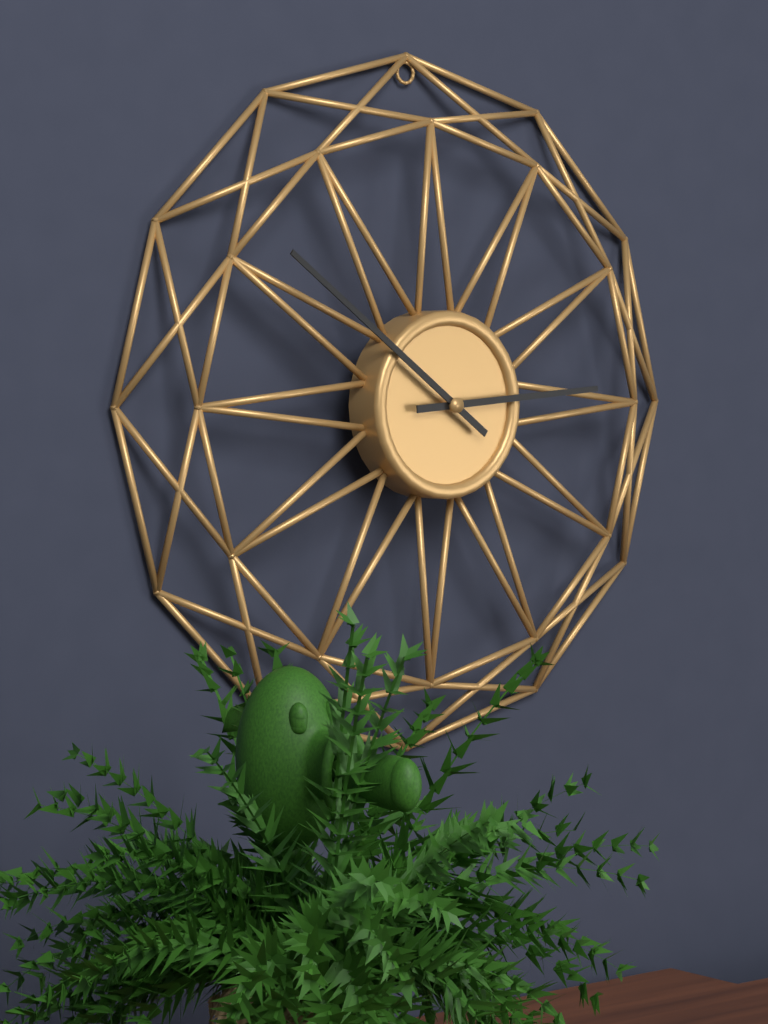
2h51
